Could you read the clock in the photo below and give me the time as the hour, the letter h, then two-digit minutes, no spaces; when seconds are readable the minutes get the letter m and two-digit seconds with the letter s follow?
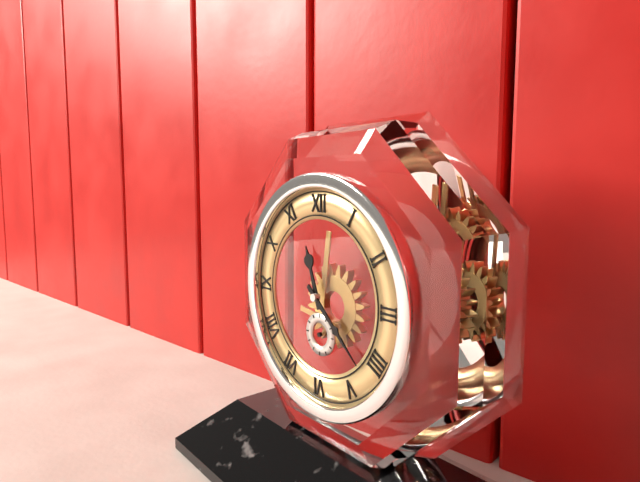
11h22
